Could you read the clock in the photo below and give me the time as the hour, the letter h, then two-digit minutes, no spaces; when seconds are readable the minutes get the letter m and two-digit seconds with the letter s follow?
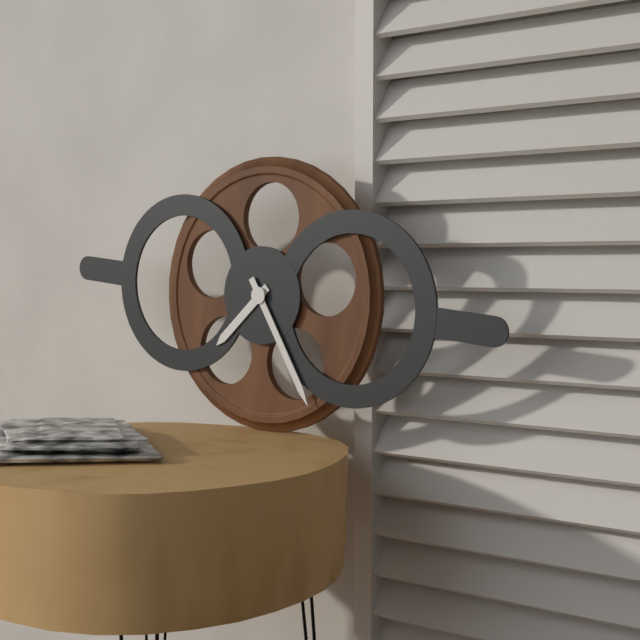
7h24
